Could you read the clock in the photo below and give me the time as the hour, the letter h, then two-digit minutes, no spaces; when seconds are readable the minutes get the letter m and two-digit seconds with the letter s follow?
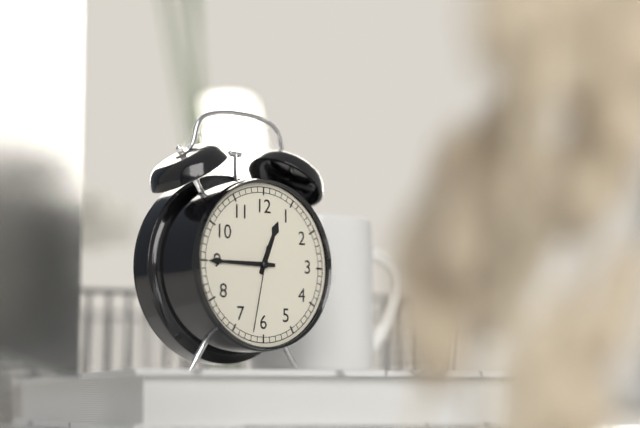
12h45m32s
